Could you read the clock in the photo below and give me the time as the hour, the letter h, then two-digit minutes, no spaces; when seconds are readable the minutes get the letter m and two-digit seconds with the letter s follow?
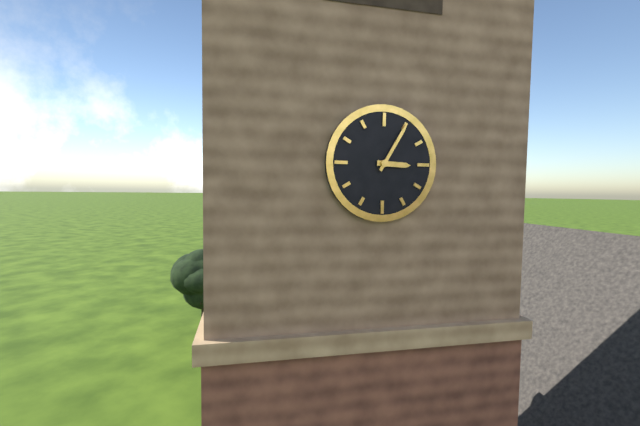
3h05
